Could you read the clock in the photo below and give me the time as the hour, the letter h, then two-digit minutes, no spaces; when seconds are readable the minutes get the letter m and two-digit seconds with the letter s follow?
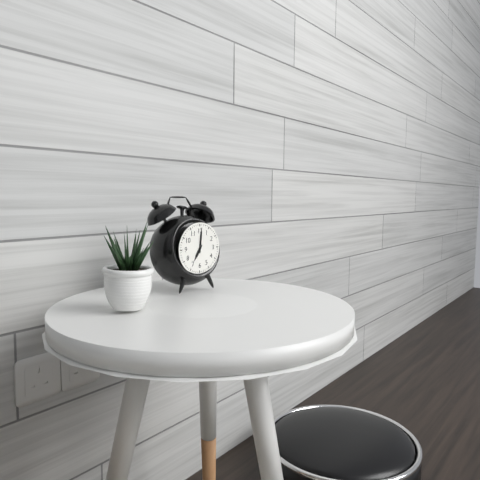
7h01
